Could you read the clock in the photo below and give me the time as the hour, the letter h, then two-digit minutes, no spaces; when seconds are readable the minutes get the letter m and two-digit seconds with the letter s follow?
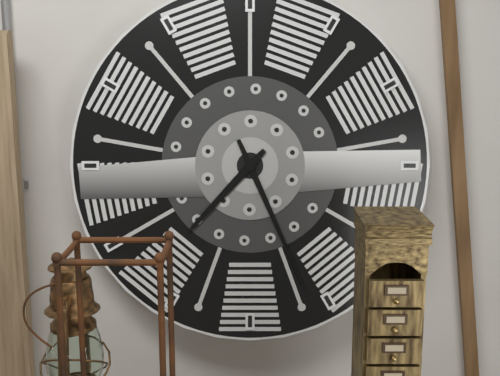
7h26
